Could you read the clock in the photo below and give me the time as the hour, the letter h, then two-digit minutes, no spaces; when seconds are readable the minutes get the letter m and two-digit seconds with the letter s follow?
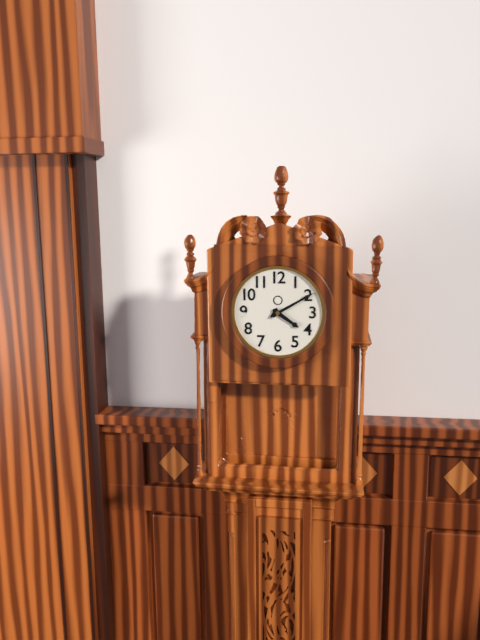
4h10
